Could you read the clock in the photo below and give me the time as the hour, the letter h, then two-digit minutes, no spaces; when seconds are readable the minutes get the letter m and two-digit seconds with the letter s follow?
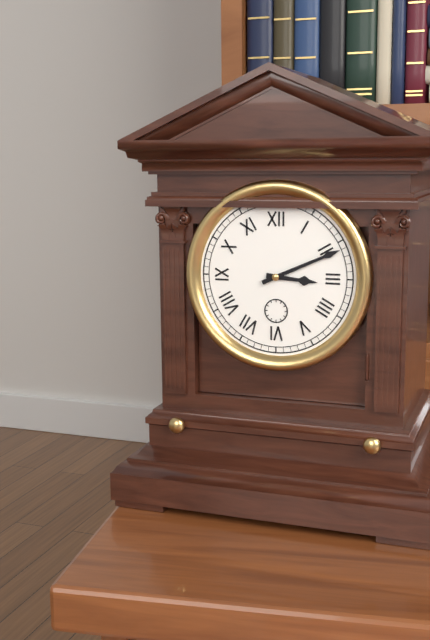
3h11
